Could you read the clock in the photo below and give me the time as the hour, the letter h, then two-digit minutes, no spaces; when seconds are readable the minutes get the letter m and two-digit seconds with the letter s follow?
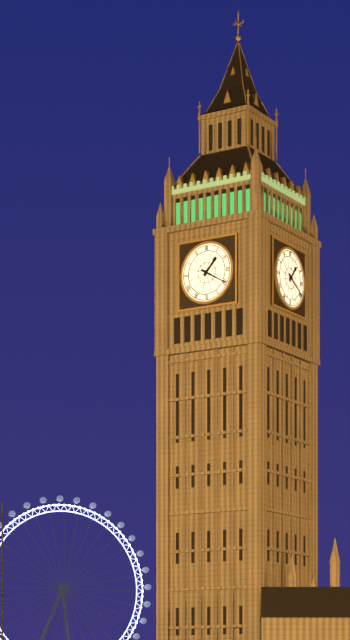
1h20
